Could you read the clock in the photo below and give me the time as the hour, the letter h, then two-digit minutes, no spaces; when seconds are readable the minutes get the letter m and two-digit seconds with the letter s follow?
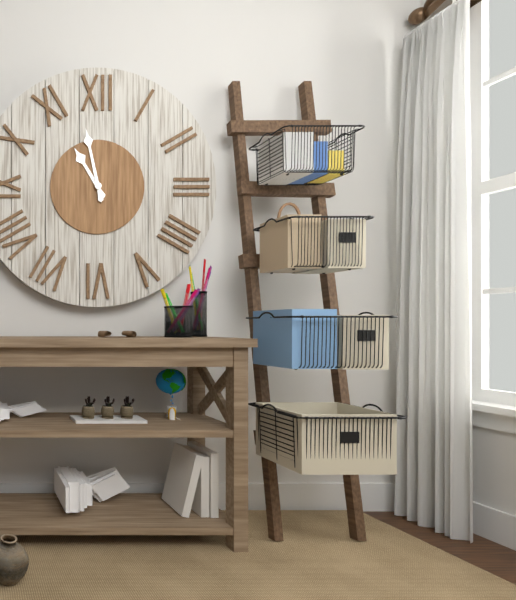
10h58
